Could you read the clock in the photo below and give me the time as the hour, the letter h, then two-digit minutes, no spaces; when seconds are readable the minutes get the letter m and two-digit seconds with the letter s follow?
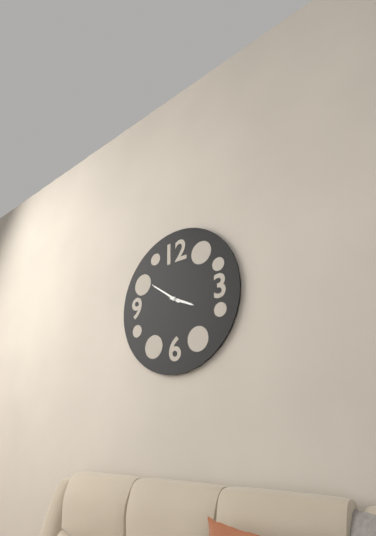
3h51
